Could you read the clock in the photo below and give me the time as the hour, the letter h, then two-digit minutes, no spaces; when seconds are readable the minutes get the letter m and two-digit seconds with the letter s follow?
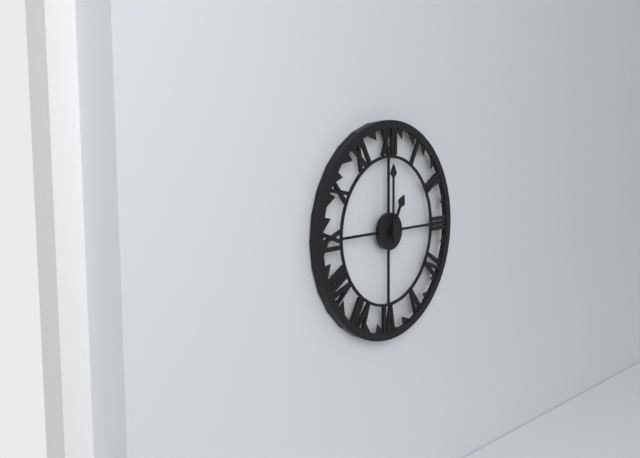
1h00
